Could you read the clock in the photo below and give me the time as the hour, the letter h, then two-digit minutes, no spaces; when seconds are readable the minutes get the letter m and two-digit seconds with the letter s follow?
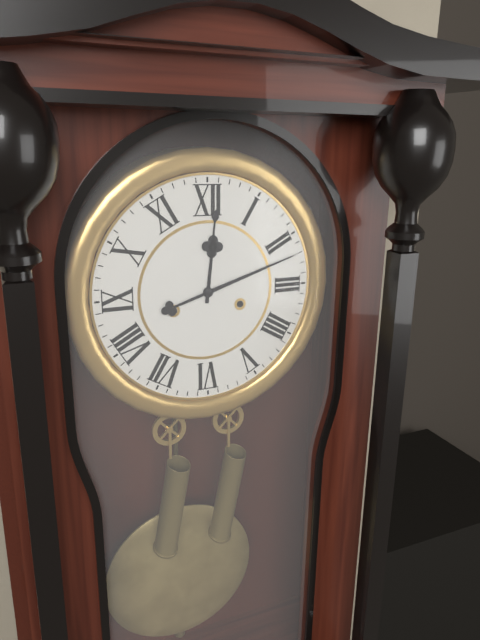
12h12
